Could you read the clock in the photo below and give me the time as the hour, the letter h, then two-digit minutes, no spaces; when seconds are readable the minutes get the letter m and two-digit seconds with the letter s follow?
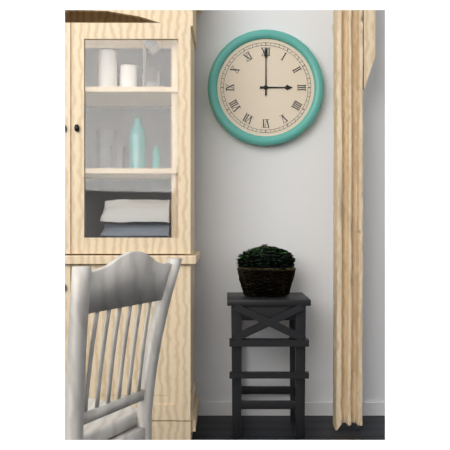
3h00
